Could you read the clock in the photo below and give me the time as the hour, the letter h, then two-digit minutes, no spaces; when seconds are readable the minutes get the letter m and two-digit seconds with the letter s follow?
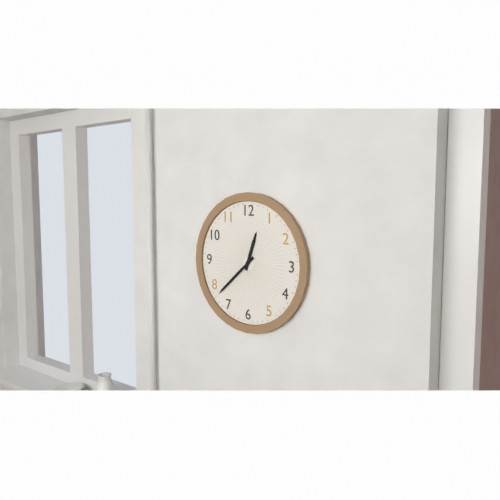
12h38
